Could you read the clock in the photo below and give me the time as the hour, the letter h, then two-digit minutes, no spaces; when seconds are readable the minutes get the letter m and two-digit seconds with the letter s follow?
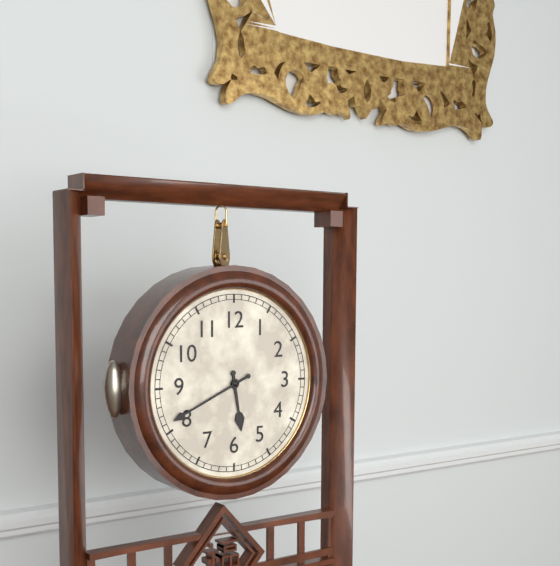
5h41
